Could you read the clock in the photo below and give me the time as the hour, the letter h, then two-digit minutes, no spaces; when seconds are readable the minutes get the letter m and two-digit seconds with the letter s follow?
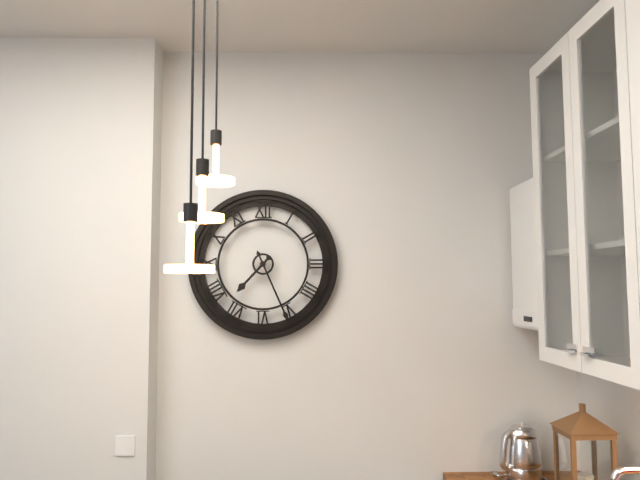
7h26
